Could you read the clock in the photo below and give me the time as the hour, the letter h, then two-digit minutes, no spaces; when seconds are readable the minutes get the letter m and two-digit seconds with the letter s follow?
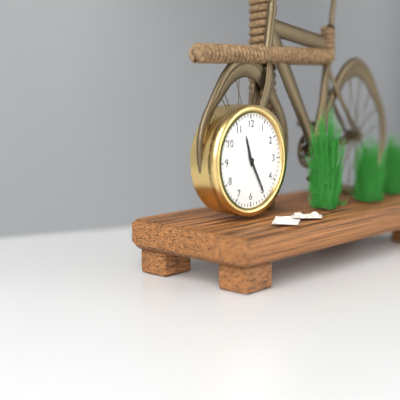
11h25
